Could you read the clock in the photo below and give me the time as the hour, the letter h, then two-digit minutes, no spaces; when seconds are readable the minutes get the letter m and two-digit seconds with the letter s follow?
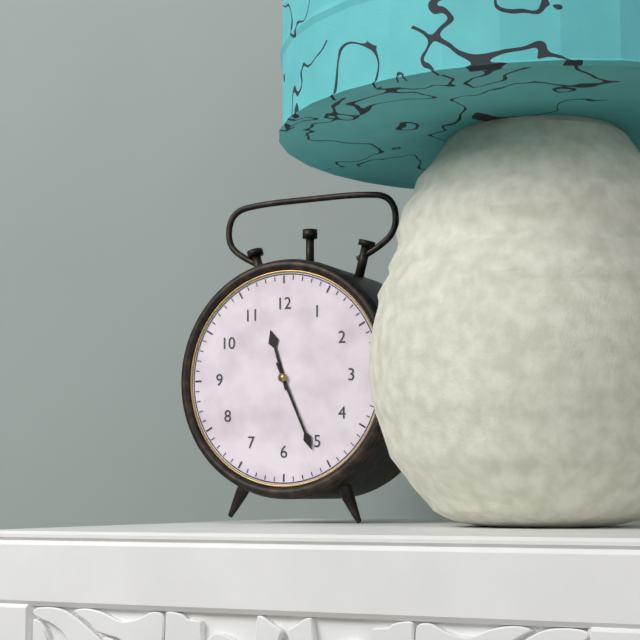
11h26
